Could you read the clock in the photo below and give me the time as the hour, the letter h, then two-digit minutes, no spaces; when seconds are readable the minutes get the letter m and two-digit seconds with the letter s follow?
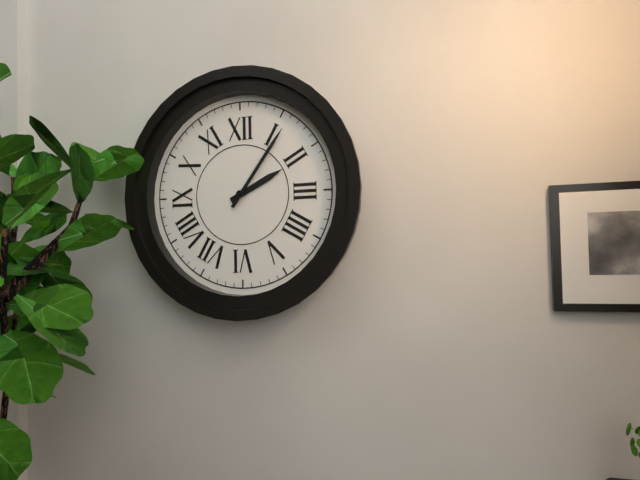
2h06
